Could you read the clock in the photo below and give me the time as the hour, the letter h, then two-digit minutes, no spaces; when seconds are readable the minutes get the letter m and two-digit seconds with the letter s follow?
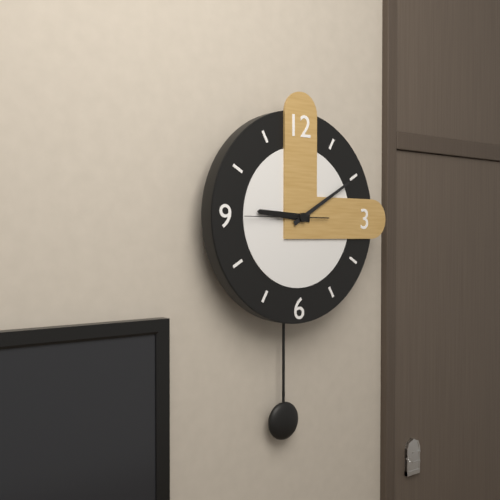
9h10
